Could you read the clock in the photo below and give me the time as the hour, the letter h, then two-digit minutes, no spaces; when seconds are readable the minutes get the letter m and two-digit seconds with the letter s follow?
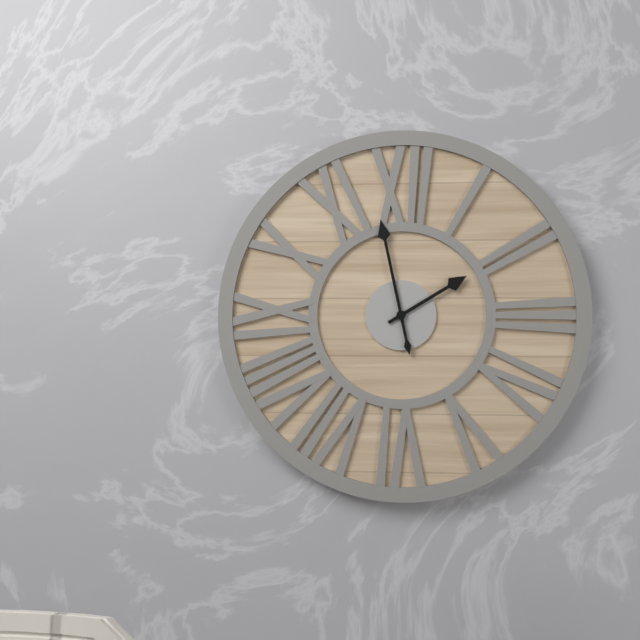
1h58
